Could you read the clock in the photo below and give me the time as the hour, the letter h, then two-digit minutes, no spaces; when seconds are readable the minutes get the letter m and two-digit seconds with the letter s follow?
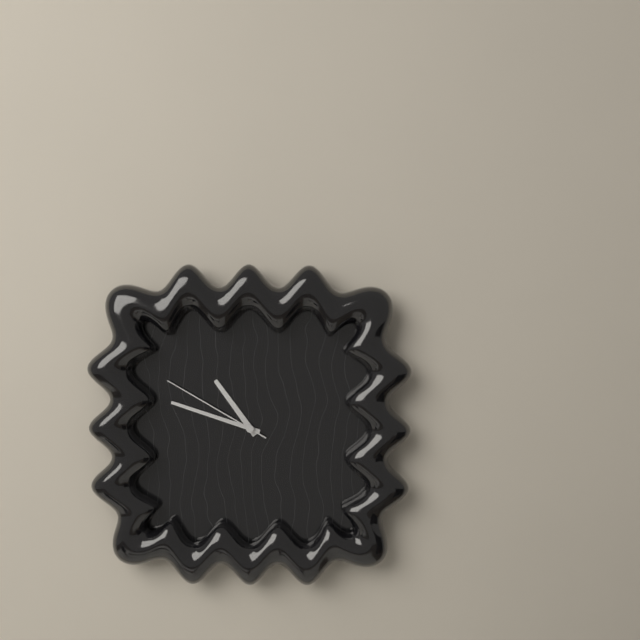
10h48m50s
